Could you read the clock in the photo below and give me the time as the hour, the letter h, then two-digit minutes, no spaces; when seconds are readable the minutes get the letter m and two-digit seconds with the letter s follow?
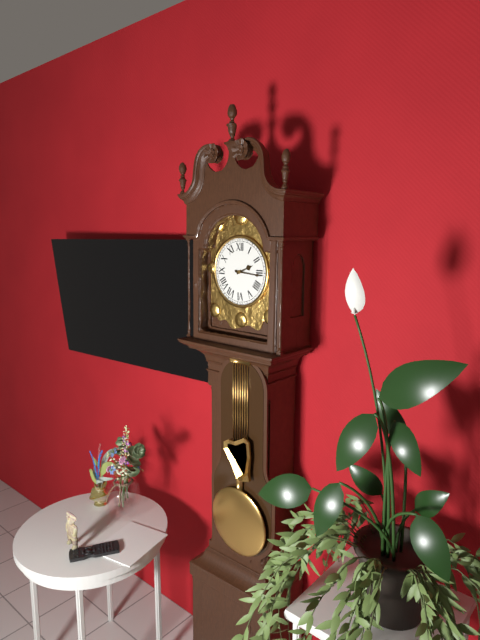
2h16
